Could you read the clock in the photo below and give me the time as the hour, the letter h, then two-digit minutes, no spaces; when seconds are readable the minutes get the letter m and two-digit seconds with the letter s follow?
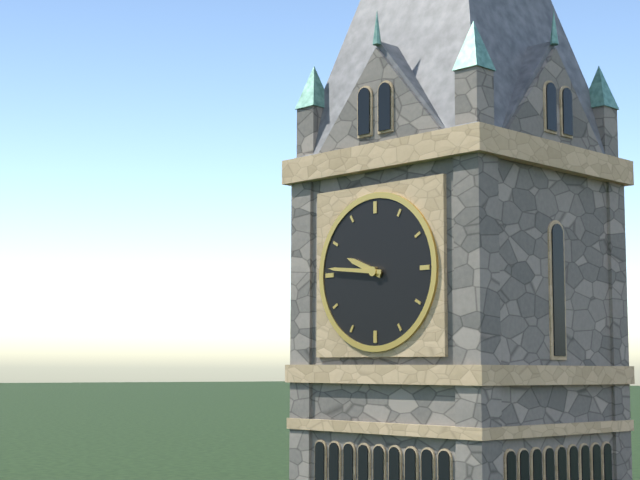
9h46
